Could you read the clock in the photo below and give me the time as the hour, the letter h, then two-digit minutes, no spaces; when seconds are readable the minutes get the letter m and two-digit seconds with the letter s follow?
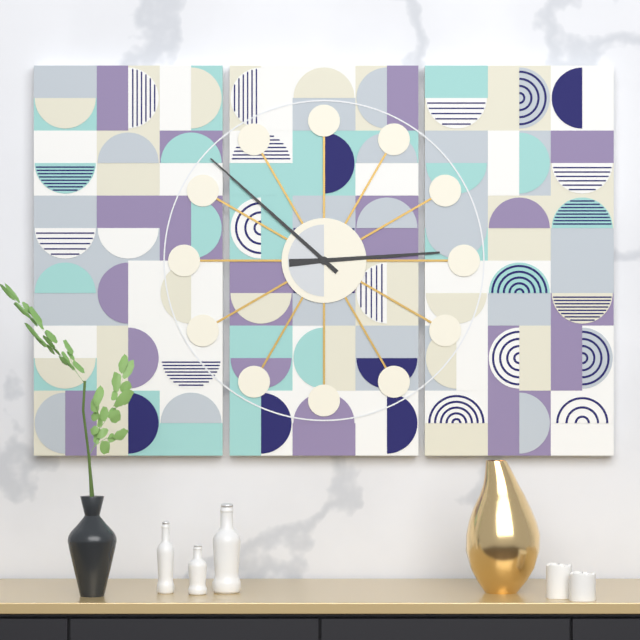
2h52
